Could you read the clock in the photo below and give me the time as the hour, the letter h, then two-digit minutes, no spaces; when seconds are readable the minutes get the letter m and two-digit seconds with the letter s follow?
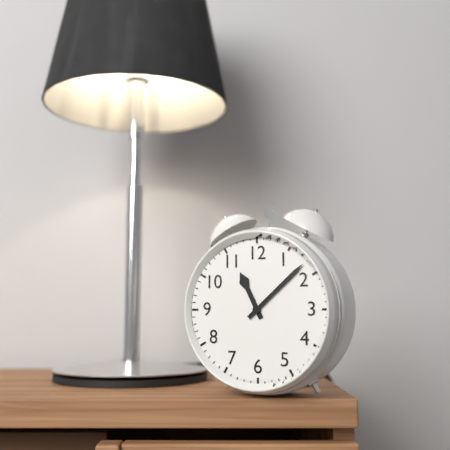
11h08
